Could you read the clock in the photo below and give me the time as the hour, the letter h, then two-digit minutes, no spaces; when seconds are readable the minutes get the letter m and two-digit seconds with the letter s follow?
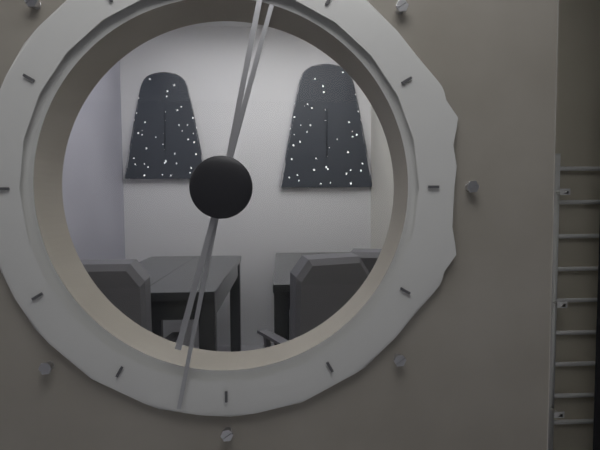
12h32
